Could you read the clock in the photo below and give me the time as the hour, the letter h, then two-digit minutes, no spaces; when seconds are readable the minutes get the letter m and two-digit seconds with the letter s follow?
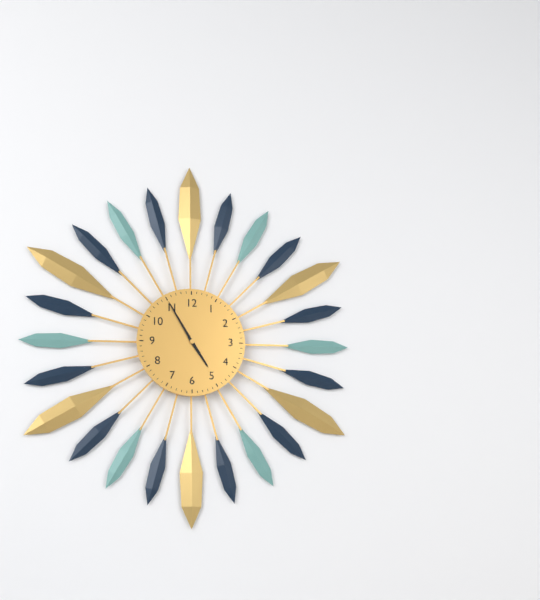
4h55
